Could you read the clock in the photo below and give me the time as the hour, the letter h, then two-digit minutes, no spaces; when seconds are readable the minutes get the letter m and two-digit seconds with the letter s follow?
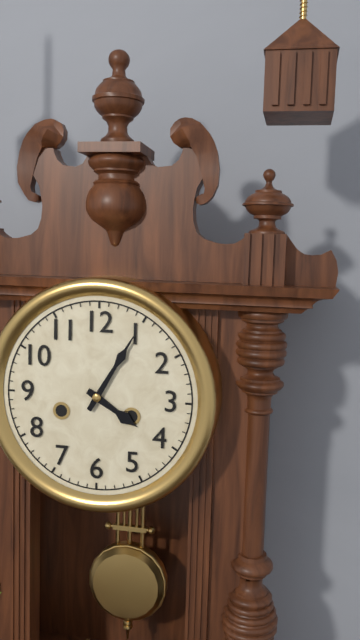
4h05
